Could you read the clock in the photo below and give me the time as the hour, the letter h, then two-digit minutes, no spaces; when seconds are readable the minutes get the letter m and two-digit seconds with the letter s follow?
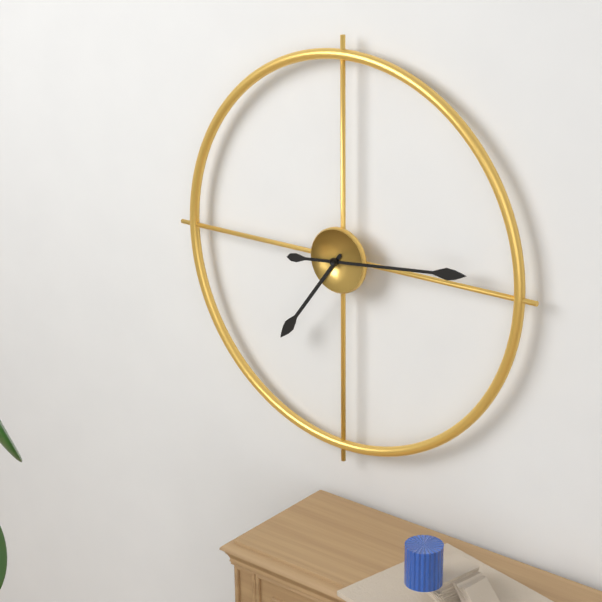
7h14
